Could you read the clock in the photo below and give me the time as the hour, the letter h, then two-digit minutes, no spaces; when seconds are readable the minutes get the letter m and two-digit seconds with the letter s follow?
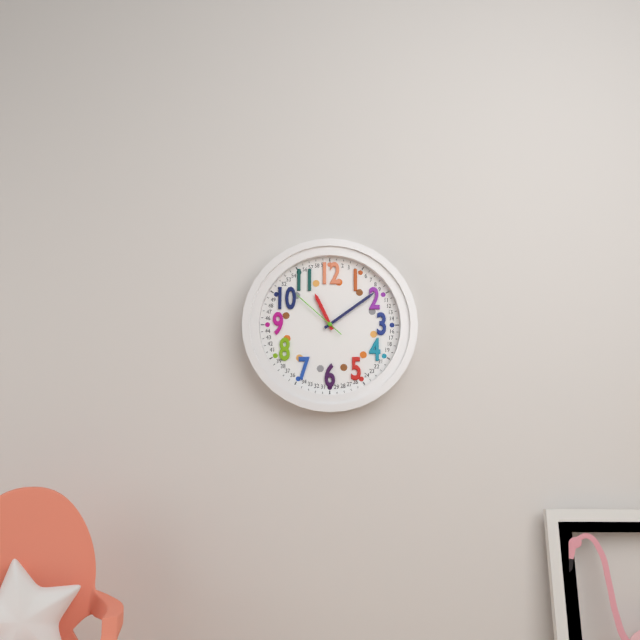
11h09m52s
